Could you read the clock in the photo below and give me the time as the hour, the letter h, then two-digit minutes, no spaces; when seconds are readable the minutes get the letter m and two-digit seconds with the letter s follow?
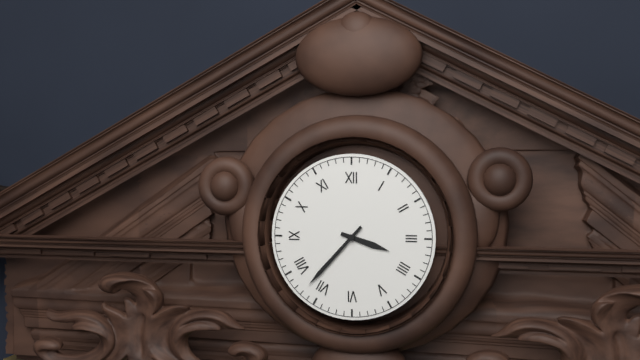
3h37
